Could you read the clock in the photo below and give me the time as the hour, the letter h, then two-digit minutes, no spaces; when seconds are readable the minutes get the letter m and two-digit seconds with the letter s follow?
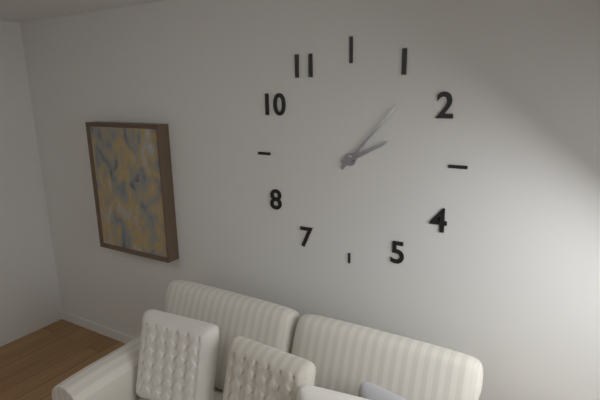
2h07
